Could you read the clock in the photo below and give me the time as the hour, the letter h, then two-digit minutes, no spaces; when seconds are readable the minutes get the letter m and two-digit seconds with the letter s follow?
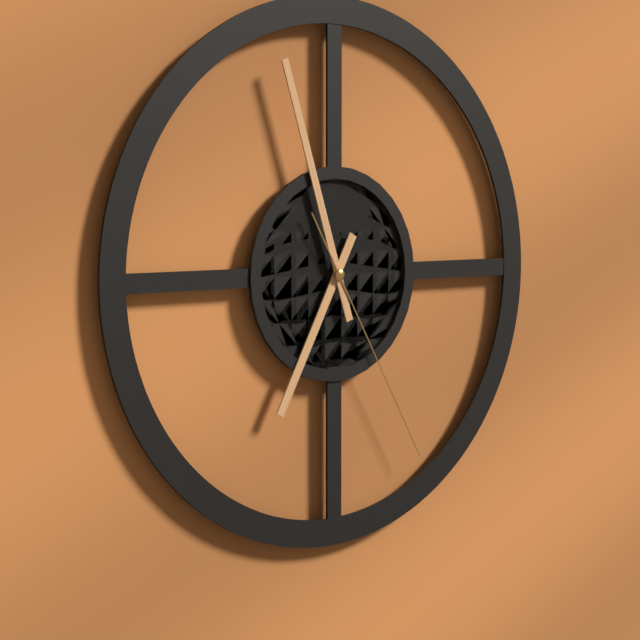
6h57m25s
